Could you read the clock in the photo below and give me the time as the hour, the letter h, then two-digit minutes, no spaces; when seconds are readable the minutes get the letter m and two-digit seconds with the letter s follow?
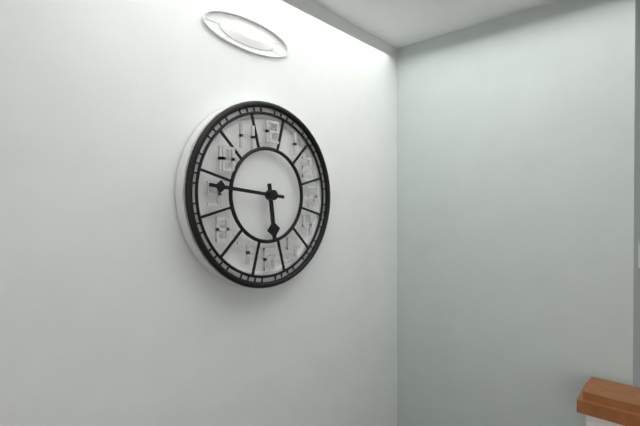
5h46
